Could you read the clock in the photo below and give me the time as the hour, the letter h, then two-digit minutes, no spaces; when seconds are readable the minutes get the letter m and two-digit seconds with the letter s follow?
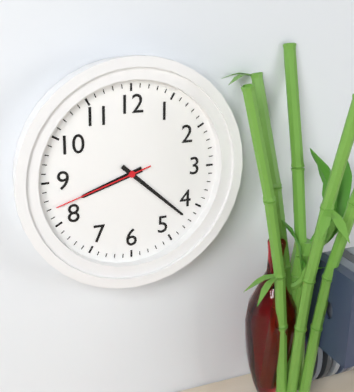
8h22m42s
